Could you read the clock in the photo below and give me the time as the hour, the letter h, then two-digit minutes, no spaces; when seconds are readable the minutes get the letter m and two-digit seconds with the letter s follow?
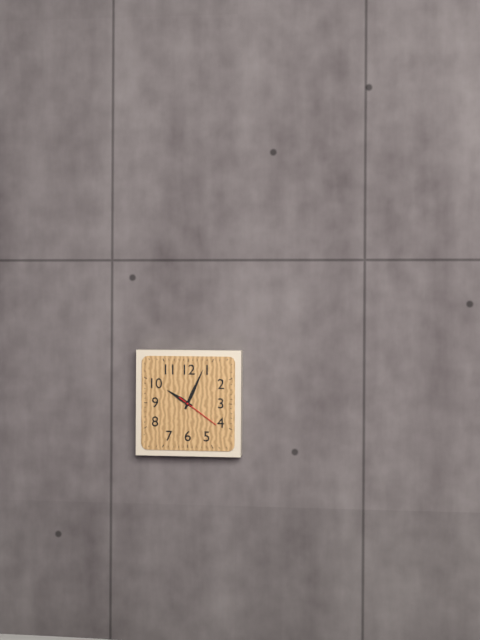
10h04
